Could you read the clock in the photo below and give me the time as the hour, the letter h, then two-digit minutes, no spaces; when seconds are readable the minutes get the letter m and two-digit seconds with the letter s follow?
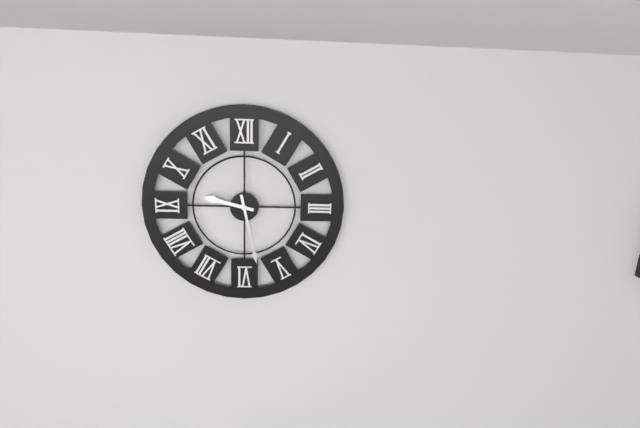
9h28
